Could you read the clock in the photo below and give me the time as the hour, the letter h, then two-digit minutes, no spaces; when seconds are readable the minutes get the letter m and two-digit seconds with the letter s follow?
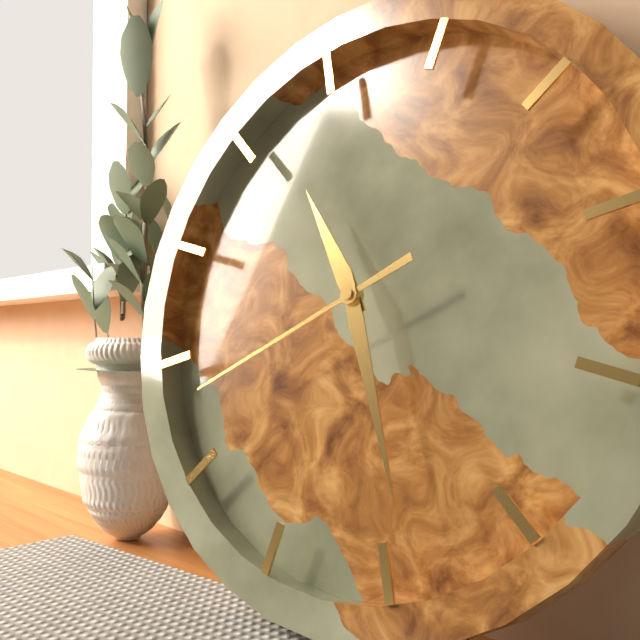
10h24m38s
